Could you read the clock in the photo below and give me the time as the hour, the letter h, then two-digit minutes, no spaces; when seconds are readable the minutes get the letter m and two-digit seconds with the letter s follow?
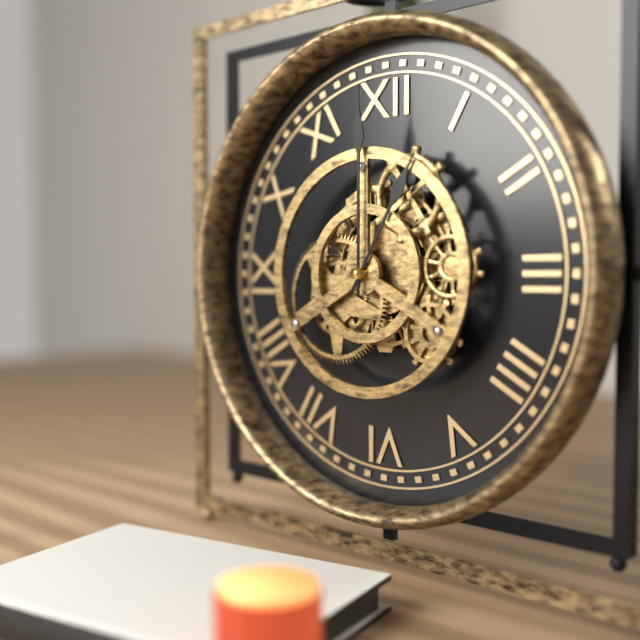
1h00
